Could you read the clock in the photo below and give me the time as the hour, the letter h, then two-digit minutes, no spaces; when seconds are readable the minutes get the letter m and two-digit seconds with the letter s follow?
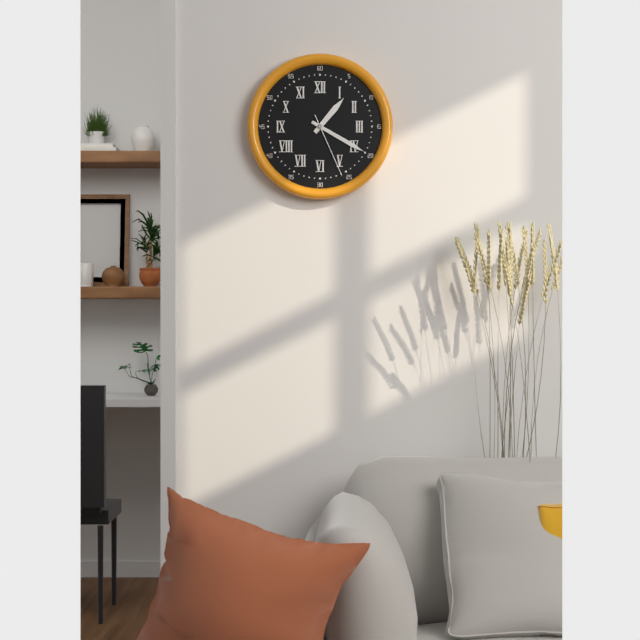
1h20m26s
